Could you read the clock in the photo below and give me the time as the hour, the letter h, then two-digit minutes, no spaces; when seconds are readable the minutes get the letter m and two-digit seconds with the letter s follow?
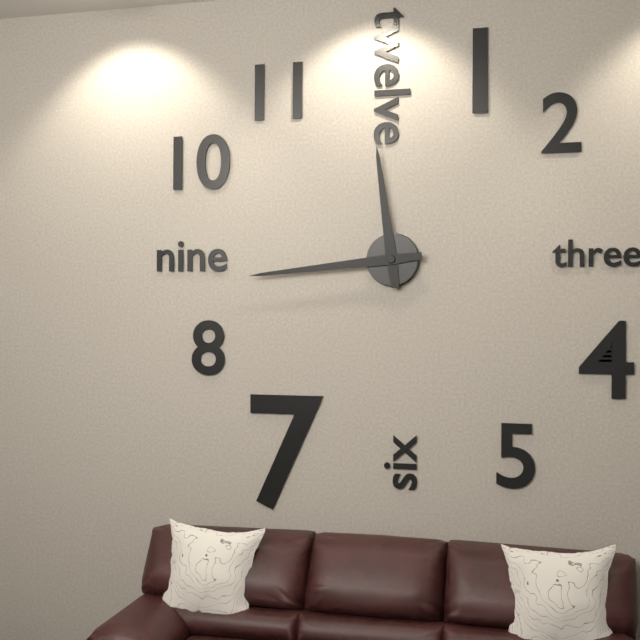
11h44
